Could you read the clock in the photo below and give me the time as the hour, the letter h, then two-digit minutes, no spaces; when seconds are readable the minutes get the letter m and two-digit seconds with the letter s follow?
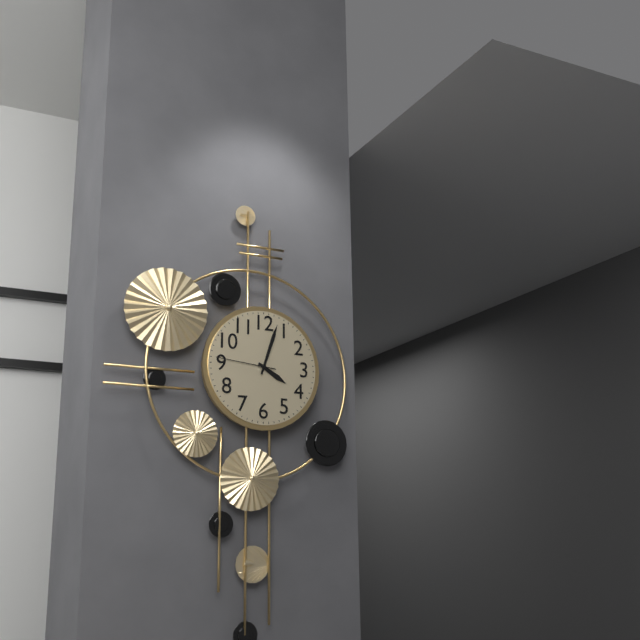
4h03m46s
